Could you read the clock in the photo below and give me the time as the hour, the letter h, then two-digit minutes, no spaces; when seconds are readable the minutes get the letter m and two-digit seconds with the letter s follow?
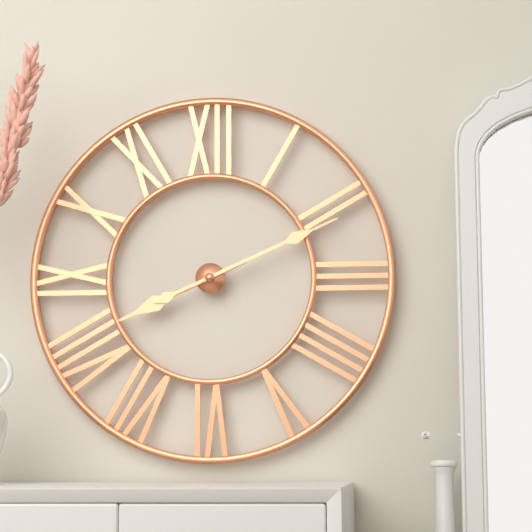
8h11
